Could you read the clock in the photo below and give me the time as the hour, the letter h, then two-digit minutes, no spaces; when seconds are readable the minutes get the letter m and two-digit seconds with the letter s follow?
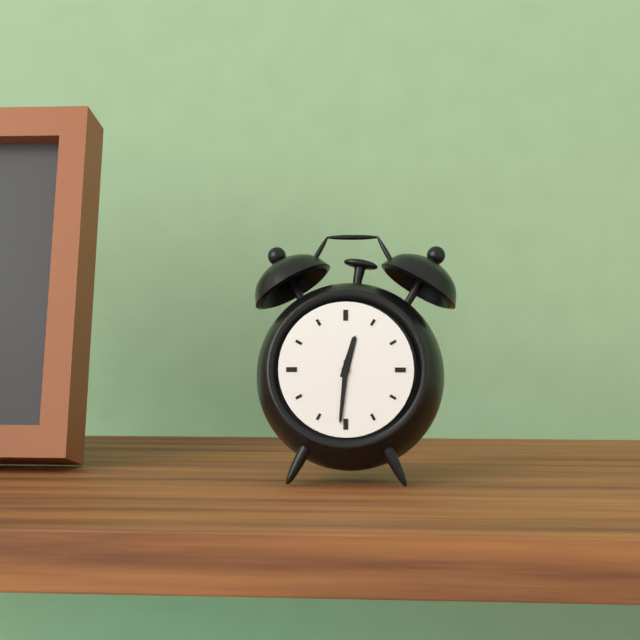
12h31
